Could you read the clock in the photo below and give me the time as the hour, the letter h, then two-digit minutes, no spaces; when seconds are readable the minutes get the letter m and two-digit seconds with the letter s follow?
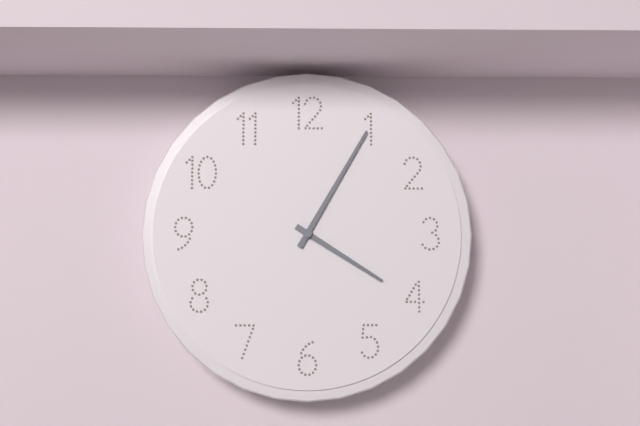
4h05
